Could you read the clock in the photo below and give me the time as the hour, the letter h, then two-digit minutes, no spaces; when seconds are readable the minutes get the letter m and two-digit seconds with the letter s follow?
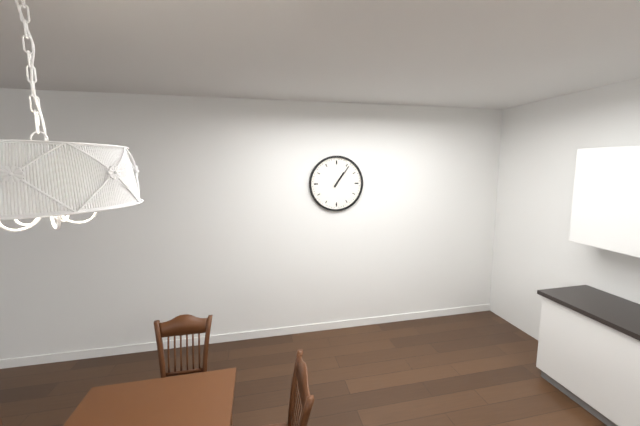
1h06
